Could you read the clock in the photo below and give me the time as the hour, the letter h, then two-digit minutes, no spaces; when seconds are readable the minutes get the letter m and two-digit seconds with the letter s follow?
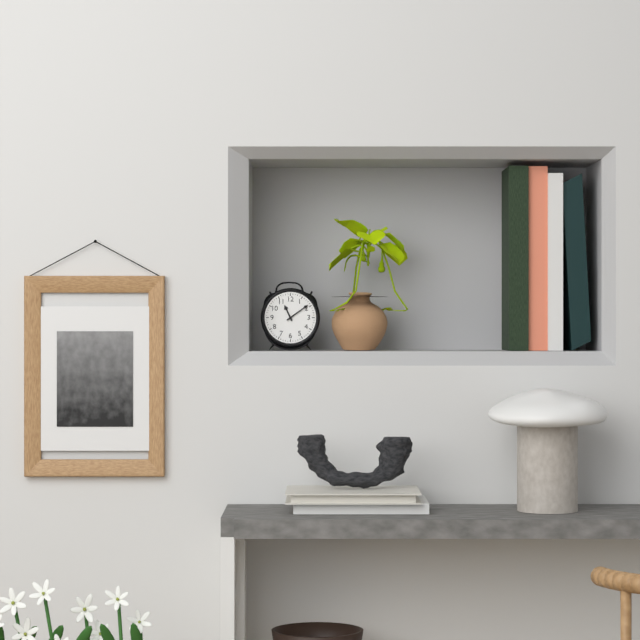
11h09
